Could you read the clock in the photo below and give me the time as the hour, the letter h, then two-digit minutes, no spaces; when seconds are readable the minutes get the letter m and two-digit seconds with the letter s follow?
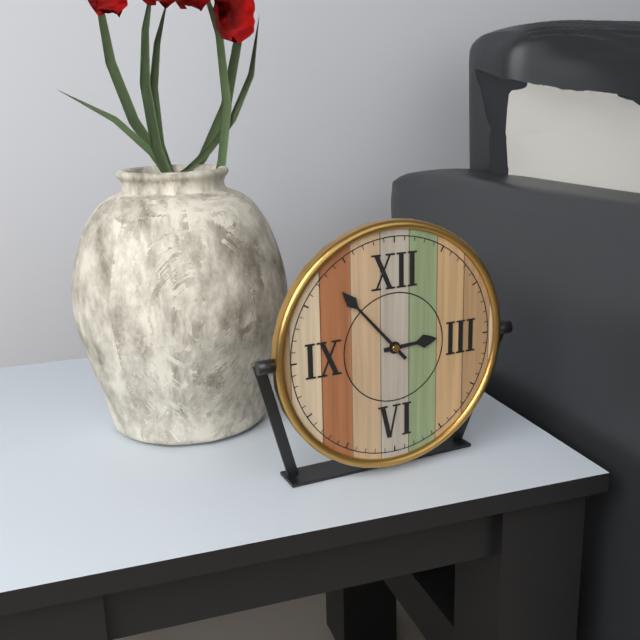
2h53
